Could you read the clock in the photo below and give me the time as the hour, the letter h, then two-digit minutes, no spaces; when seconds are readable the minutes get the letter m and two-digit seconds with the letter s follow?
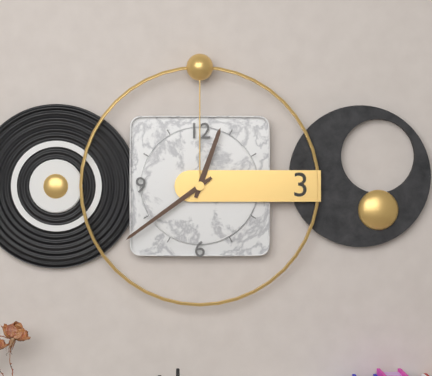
12h39
